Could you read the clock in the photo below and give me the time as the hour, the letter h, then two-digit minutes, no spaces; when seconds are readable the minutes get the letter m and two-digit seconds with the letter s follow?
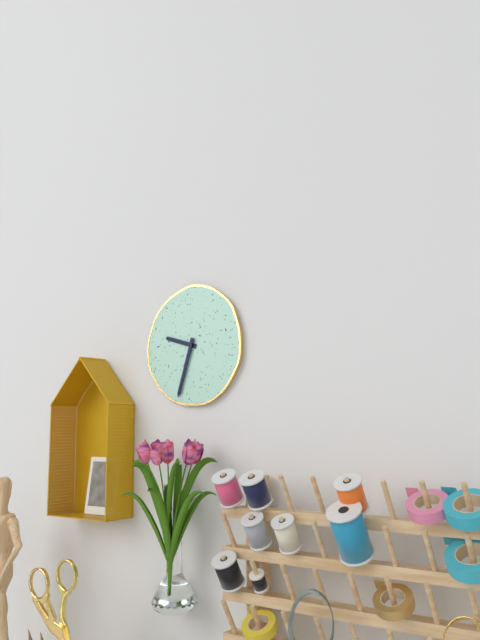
9h33
